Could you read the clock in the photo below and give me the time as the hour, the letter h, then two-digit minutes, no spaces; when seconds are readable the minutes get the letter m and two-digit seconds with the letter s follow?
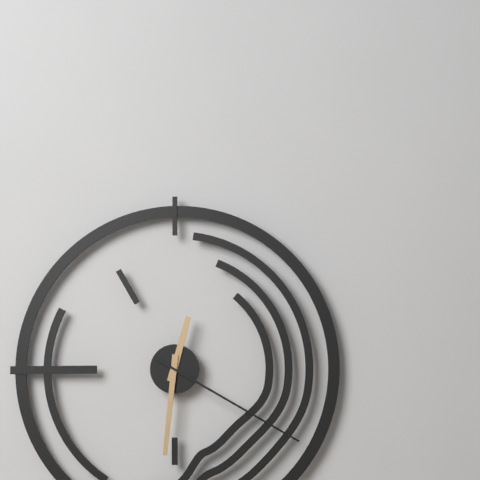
12h31m20s
